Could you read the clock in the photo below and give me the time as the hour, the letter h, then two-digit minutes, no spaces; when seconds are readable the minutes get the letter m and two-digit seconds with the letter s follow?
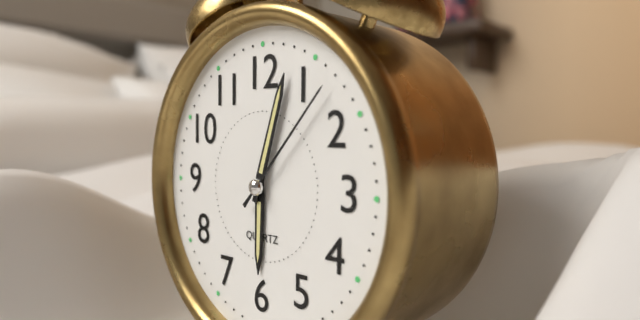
6h03m07s
